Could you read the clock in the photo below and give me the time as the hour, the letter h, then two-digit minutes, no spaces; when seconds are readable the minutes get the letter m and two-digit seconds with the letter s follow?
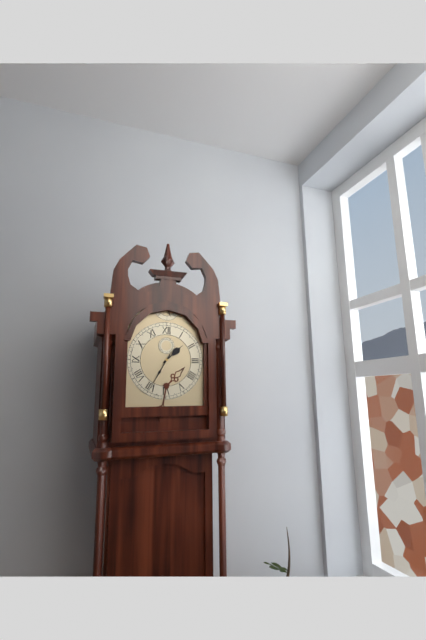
1h35
